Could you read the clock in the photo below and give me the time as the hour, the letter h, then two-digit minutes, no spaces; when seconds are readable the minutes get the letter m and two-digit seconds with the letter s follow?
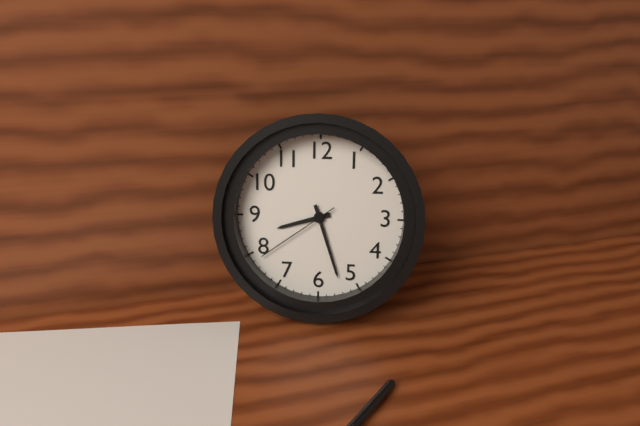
8h27m39s
